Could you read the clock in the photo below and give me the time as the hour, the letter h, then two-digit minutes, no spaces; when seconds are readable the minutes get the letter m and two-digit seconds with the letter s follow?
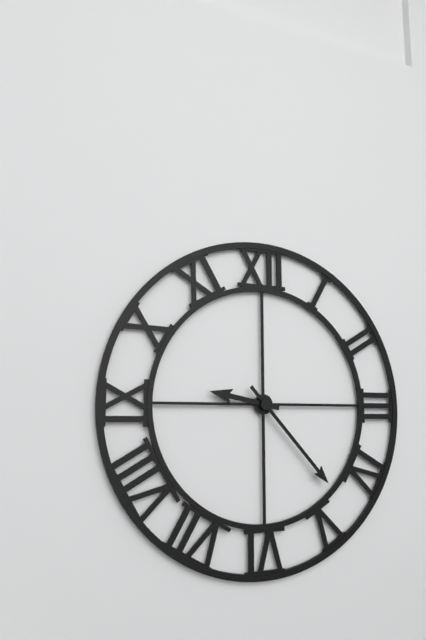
9h23
